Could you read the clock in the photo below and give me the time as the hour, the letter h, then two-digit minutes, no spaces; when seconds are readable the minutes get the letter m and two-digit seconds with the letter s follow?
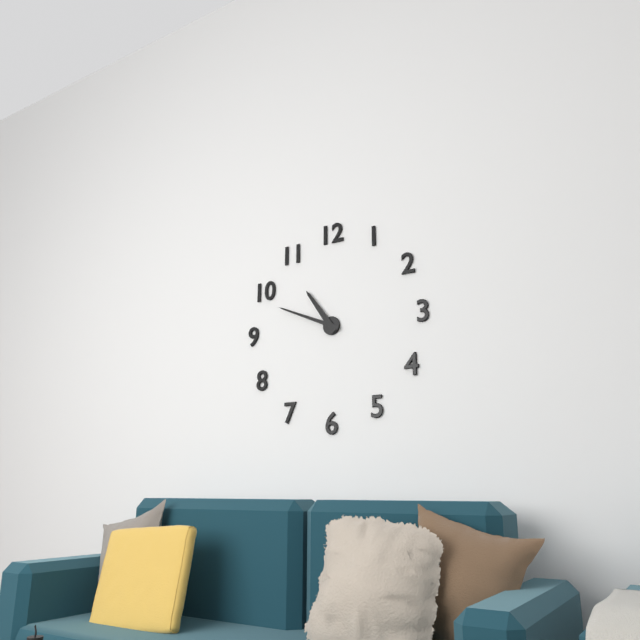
10h49
